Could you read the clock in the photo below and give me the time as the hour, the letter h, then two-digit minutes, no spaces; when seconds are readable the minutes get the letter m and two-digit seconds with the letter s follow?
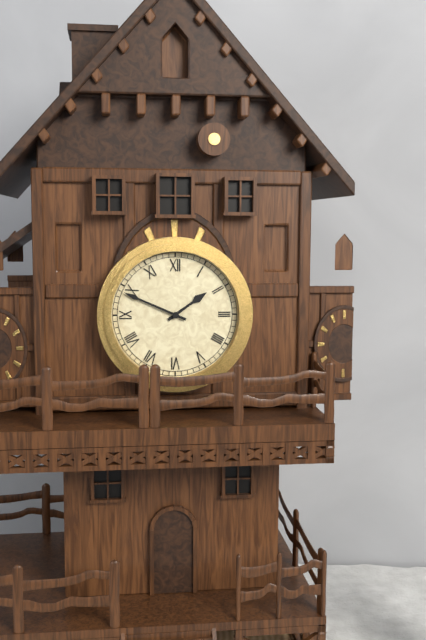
1h49
